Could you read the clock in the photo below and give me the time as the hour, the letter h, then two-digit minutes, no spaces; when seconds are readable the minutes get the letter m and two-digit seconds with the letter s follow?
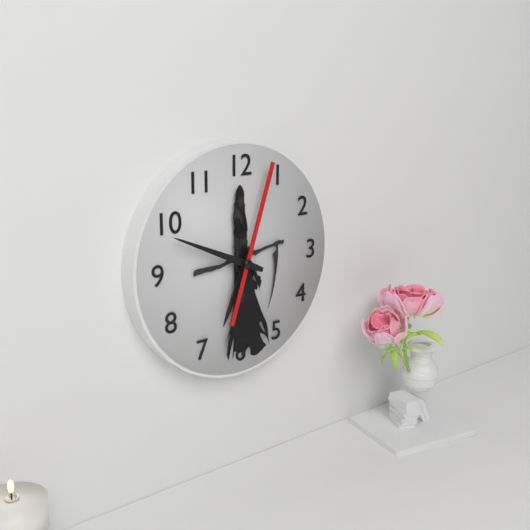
6h49m03s
